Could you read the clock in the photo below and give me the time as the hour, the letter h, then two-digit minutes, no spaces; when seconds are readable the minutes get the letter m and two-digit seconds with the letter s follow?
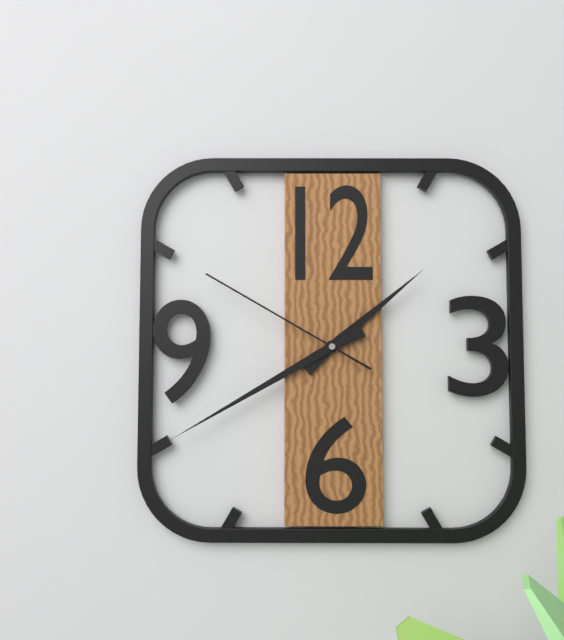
1h40m50s
